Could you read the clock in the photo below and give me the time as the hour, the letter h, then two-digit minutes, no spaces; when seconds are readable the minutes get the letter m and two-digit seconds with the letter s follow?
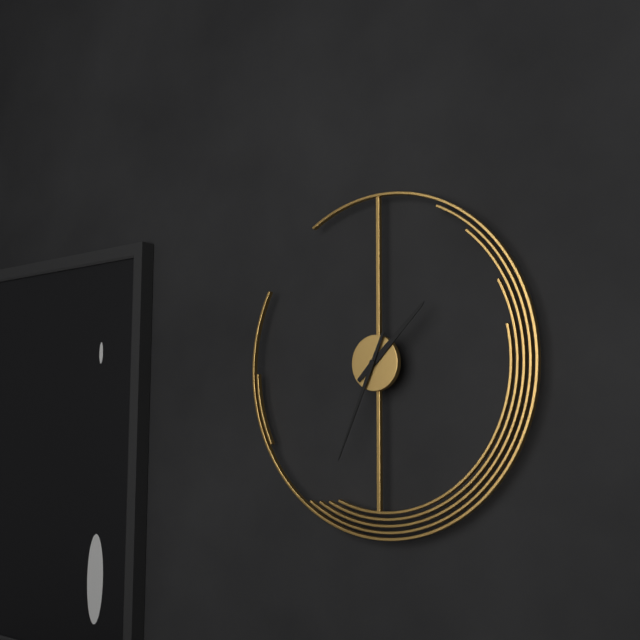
1h34
